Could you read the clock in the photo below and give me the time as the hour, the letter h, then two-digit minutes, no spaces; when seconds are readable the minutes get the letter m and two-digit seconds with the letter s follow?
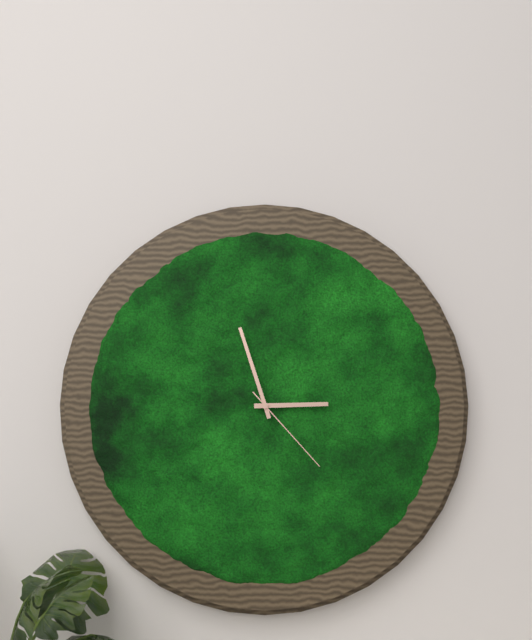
2h57m23s
